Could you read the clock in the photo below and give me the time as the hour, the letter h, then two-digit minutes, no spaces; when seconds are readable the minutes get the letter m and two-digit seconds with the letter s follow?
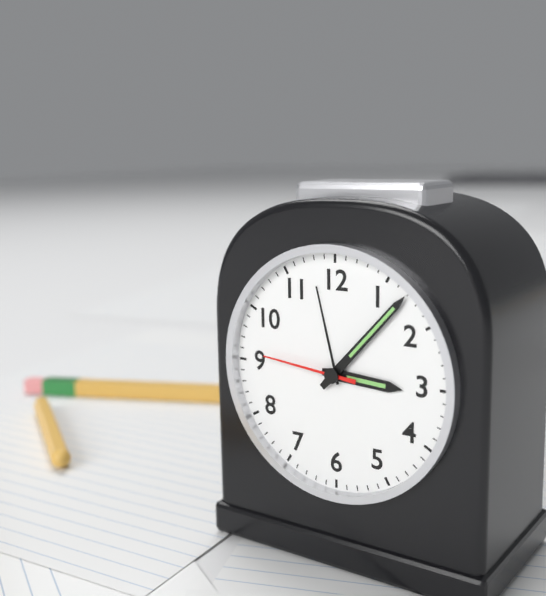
3h07m46s
